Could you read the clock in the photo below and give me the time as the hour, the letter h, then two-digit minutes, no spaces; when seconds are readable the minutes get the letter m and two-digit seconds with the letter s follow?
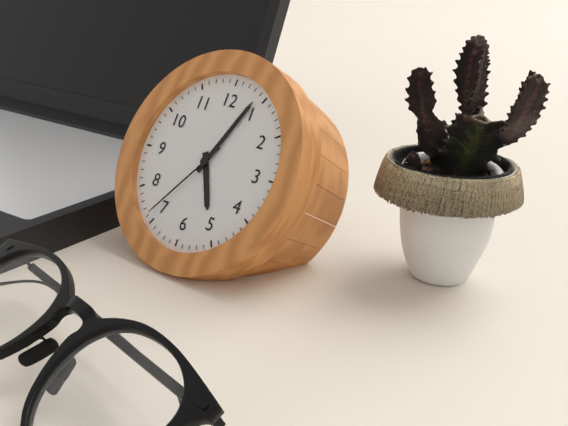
5h04m36s
